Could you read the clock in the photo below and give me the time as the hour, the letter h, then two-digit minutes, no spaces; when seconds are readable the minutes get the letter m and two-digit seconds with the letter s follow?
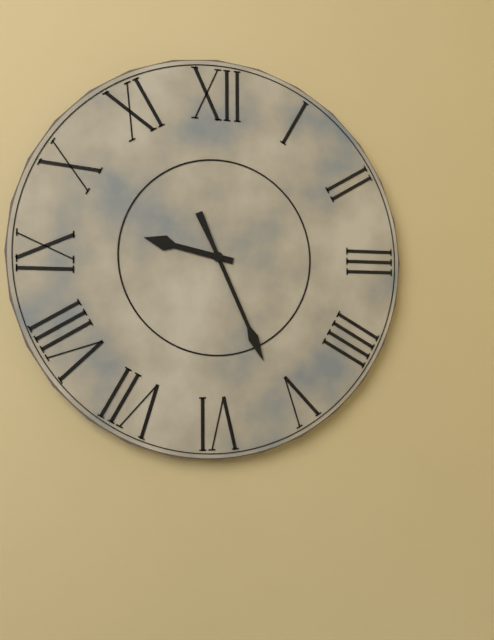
9h26
